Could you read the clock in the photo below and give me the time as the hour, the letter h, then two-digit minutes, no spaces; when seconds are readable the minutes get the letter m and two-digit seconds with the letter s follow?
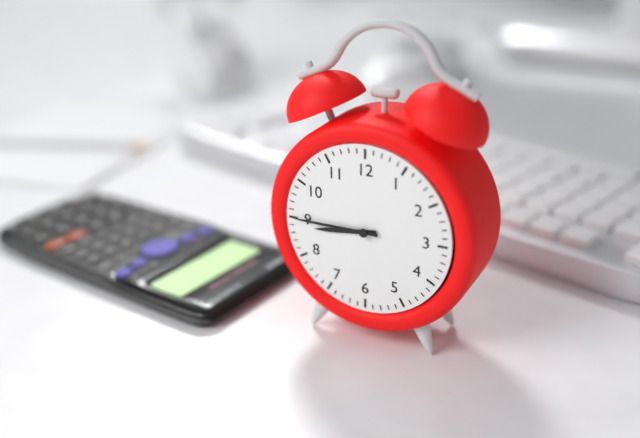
8h45
